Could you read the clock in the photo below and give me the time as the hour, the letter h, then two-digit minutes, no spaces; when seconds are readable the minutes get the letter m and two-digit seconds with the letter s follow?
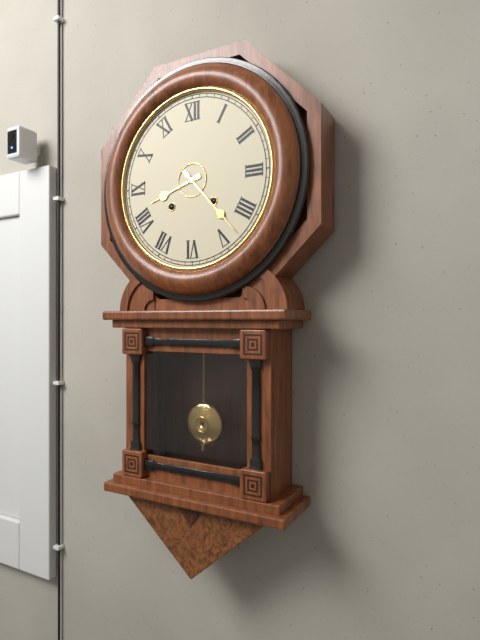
8h23
